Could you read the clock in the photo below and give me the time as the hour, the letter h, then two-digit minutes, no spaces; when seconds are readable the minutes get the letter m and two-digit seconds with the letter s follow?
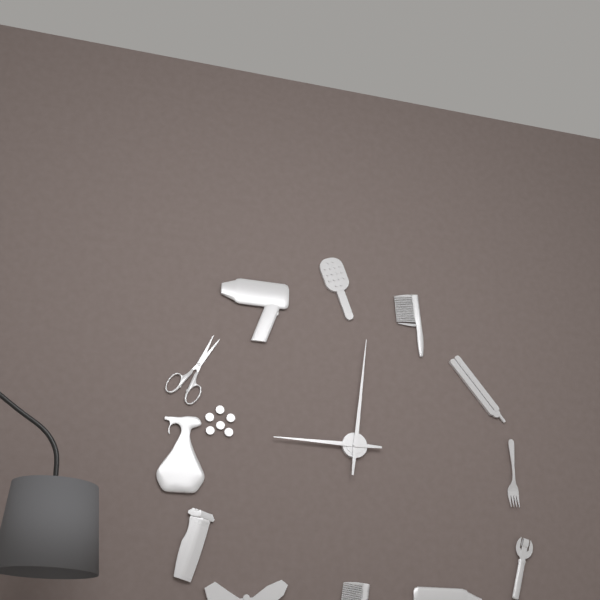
9h01
